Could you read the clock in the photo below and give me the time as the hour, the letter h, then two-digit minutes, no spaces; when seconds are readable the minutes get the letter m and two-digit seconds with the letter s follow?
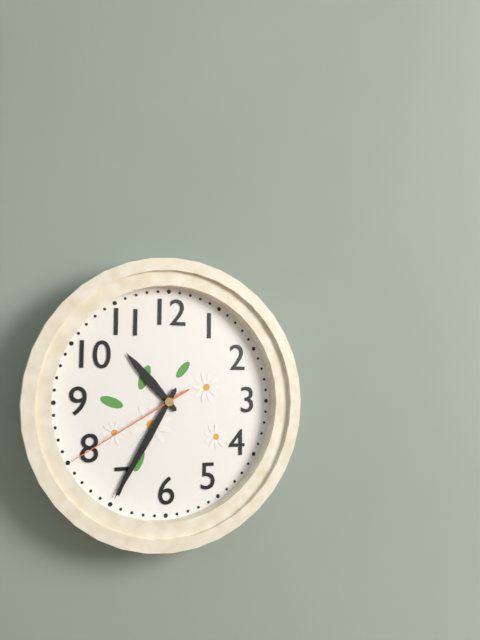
10h35m40s
